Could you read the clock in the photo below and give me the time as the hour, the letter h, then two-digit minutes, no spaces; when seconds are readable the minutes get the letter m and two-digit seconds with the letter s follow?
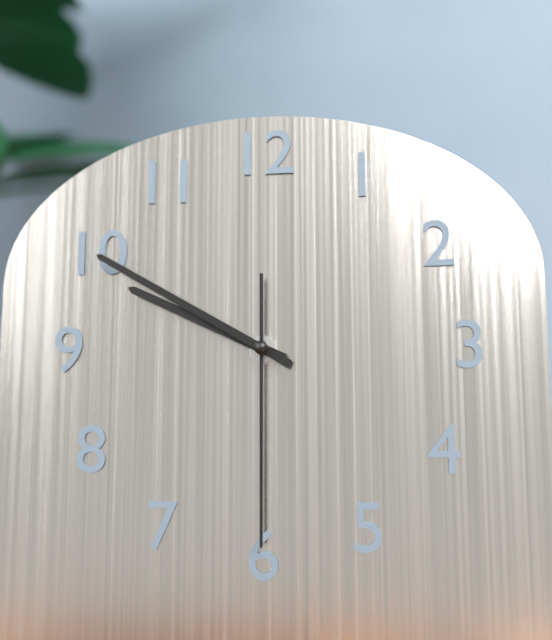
9h50m30s
